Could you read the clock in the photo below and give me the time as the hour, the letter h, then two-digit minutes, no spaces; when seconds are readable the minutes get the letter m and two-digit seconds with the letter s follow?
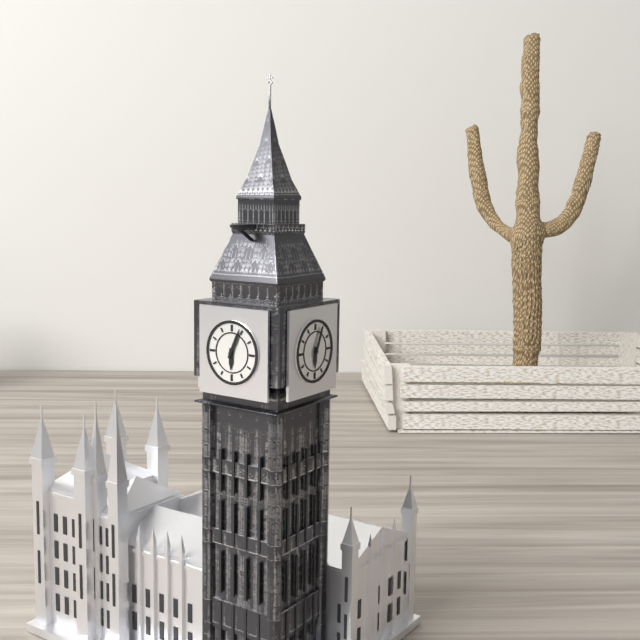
6h04
